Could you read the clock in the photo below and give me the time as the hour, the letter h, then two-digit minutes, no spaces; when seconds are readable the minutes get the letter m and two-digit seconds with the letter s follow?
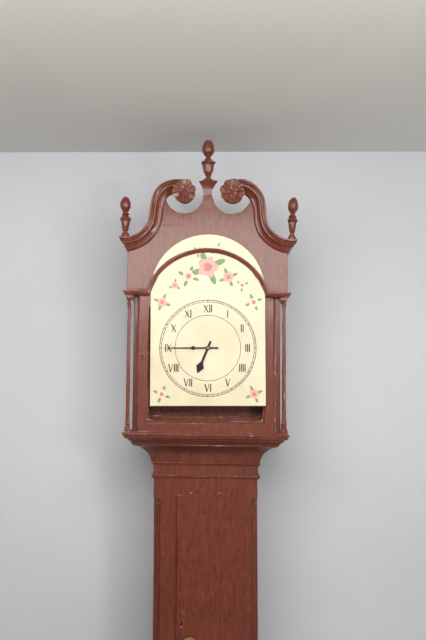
6h45
